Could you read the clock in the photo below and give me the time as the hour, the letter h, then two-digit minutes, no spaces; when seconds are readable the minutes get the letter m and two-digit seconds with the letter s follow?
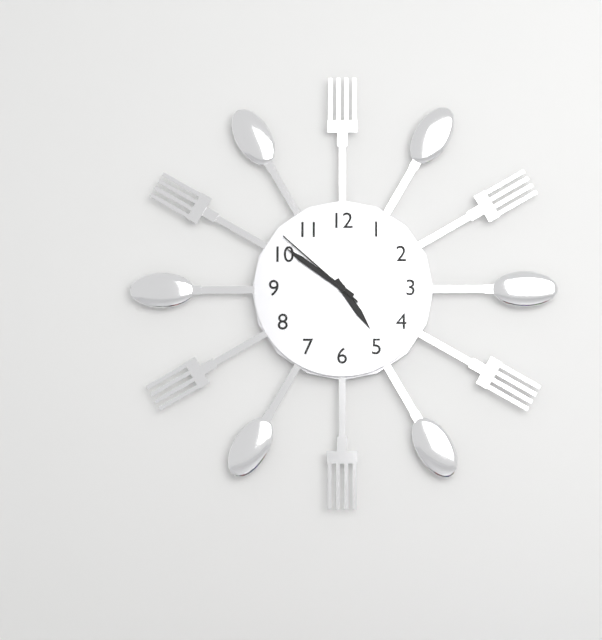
4h51m52s
